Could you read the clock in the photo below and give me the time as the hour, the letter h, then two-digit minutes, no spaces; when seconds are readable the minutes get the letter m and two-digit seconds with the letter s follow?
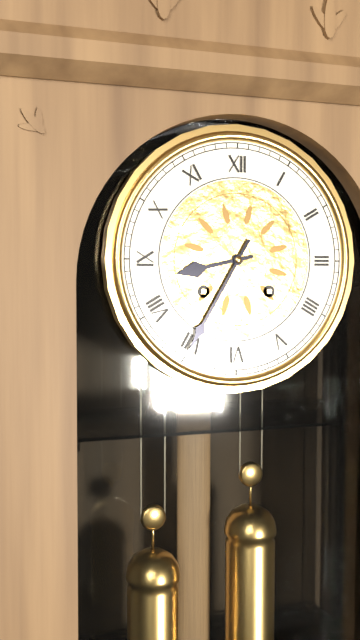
8h35
